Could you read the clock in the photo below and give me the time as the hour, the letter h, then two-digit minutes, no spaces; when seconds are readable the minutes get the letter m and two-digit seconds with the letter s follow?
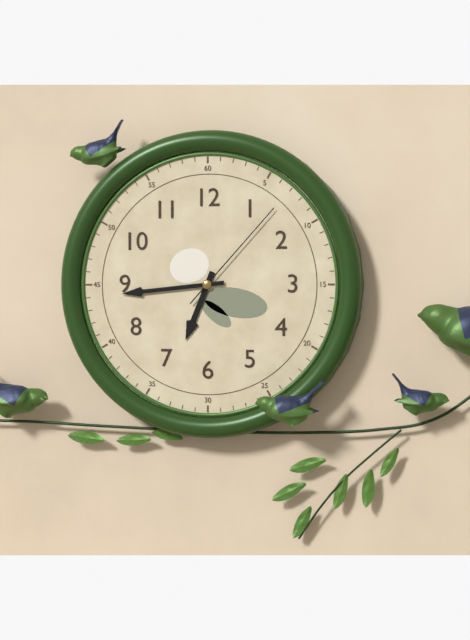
6h44m07s
